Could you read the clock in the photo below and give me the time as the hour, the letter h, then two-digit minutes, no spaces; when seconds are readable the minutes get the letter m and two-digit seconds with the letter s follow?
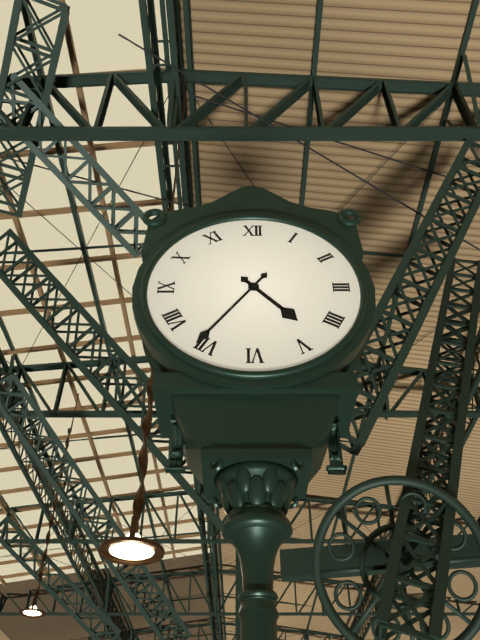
4h36
